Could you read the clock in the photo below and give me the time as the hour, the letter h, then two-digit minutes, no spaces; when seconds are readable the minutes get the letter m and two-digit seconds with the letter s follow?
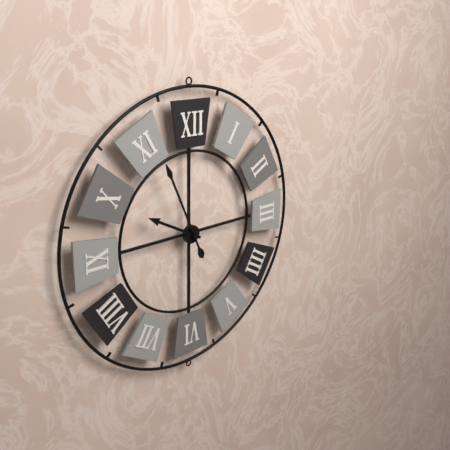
9h56
